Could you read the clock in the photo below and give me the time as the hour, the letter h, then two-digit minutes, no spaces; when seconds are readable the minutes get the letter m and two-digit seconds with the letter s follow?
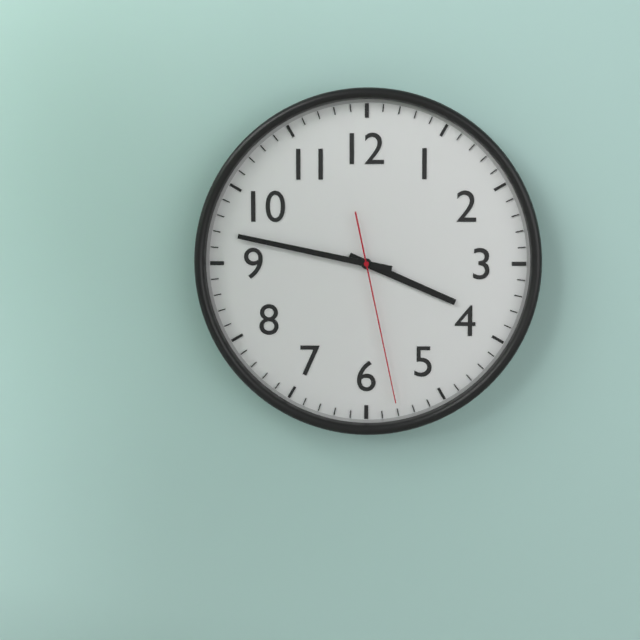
3h47m28s
